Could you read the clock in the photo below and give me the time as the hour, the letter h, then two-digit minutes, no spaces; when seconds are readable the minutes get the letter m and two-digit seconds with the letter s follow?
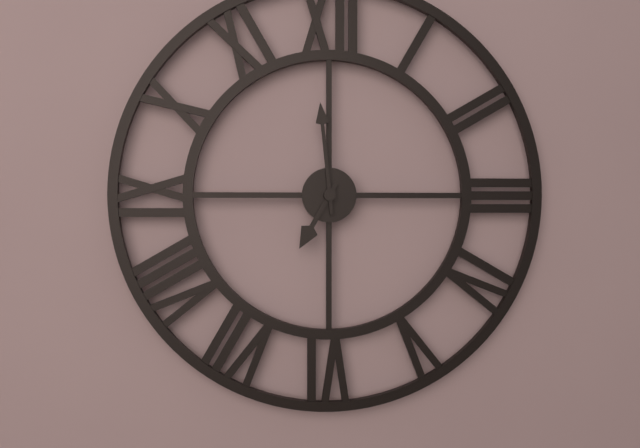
6h59
